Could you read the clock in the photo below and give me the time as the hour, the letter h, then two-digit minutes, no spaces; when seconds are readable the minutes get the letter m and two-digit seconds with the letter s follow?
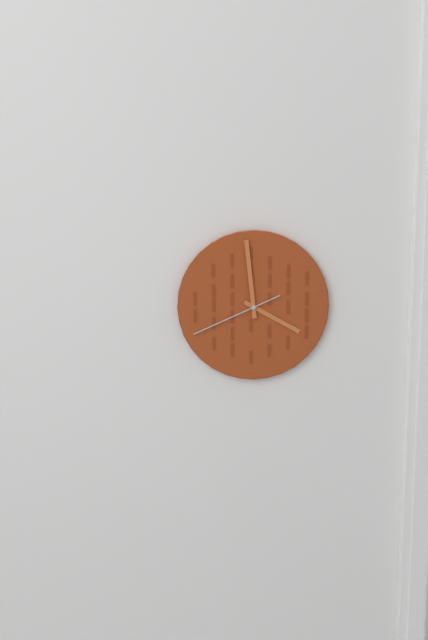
3h59m41s
